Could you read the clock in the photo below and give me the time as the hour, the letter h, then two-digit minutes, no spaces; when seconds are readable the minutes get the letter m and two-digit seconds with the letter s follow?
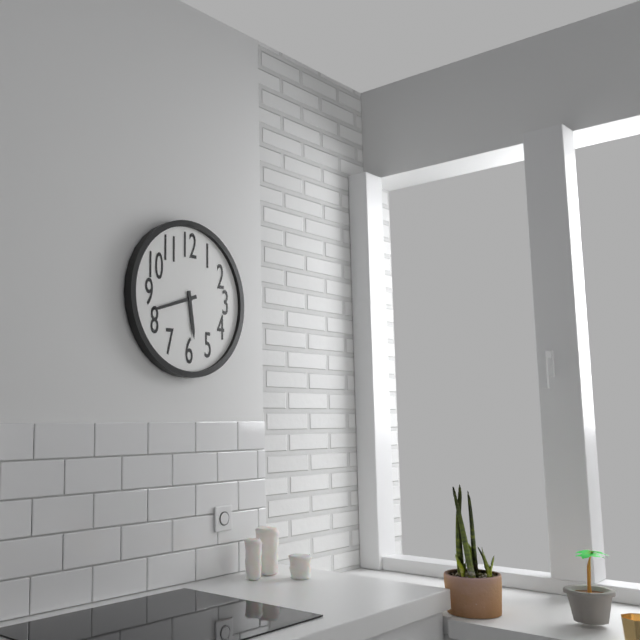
5h42
